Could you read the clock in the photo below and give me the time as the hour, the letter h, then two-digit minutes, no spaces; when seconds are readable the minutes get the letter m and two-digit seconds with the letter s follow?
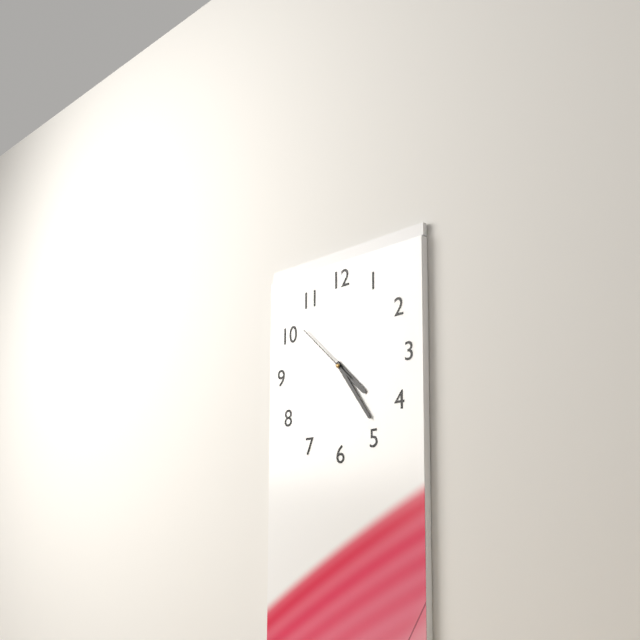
4h24m52s
